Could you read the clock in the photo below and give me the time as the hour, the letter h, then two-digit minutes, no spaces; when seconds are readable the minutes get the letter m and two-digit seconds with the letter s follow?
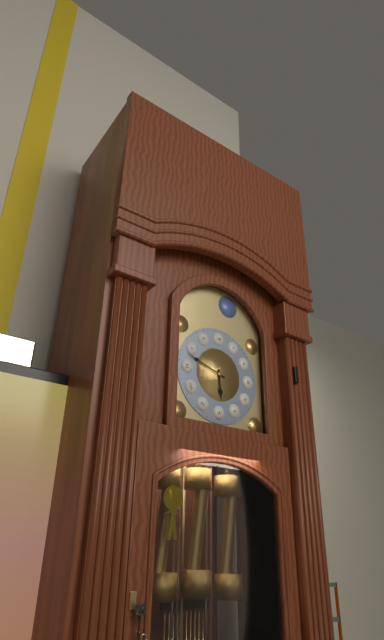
5h48
